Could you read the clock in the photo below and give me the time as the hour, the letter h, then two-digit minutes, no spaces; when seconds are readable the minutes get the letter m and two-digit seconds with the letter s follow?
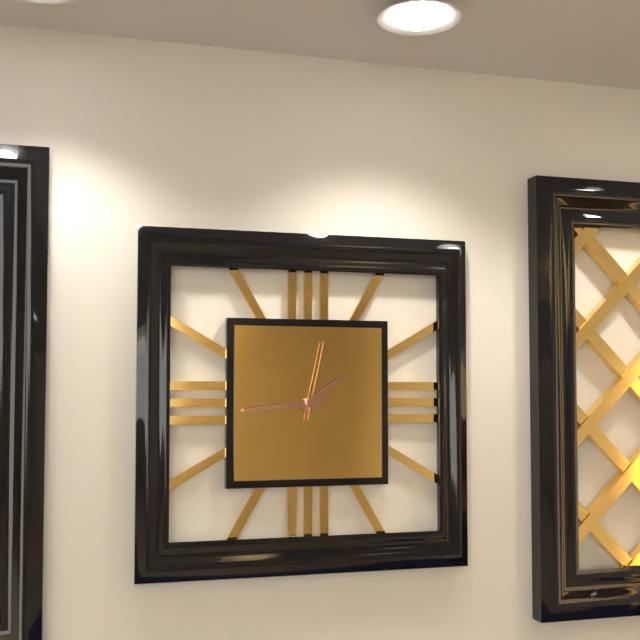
1h44m02s
